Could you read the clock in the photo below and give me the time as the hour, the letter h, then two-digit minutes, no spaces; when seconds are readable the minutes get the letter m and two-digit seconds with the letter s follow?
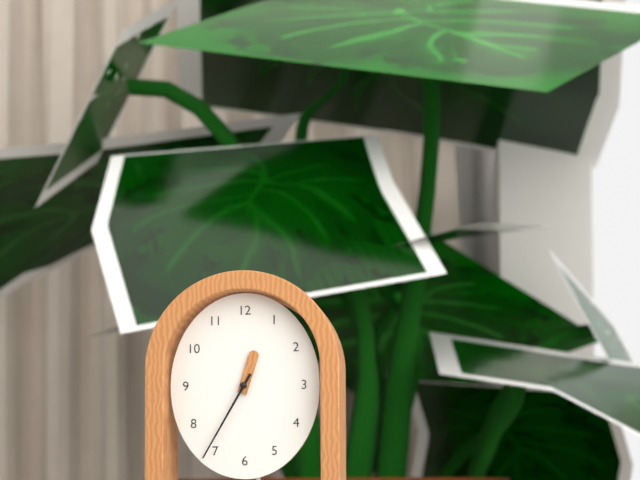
12h35
